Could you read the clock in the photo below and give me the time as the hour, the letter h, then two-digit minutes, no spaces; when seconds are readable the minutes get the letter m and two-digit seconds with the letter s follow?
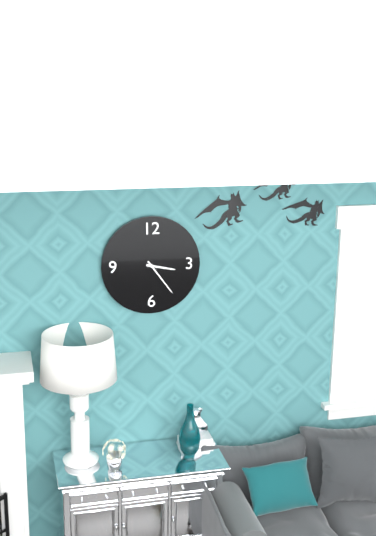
3h24
